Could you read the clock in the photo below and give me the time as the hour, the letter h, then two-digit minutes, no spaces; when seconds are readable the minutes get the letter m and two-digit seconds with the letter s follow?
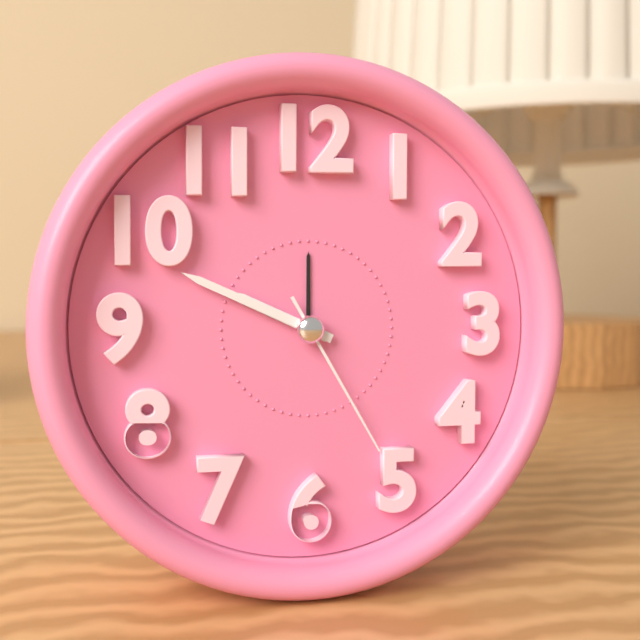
9h49m25s
